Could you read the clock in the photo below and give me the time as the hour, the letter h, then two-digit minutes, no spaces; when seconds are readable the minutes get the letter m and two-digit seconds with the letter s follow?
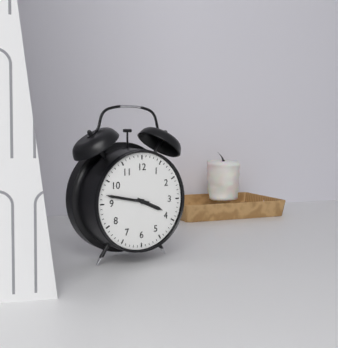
3h47
